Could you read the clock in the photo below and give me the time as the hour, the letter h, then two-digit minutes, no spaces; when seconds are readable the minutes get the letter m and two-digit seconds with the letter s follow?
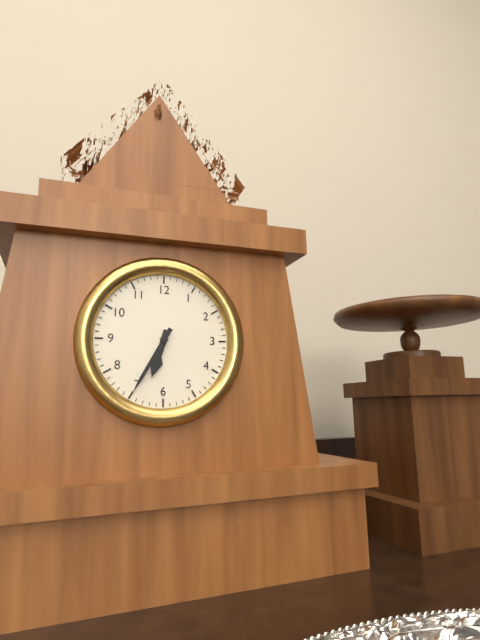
6h35
